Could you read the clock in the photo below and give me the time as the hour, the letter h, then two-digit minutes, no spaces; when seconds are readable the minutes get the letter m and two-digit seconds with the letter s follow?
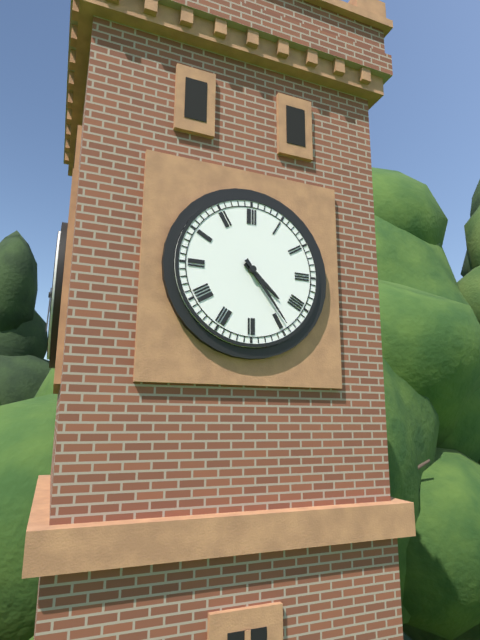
4h24
